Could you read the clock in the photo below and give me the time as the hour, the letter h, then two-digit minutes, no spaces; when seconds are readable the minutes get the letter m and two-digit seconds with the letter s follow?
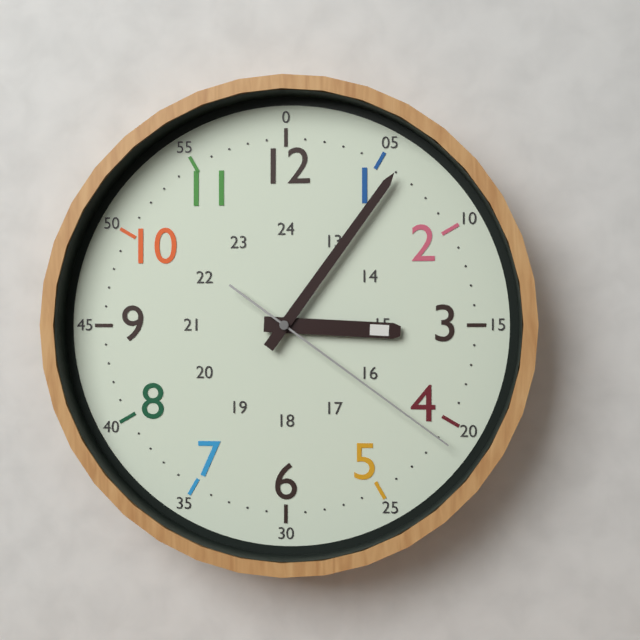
3h06m21s
